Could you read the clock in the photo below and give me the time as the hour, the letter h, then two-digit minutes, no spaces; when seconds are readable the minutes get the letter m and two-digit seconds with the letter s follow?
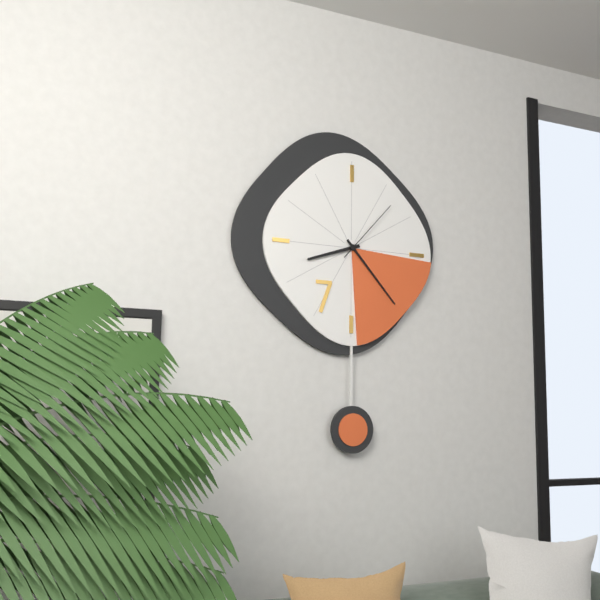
8h23m07s
